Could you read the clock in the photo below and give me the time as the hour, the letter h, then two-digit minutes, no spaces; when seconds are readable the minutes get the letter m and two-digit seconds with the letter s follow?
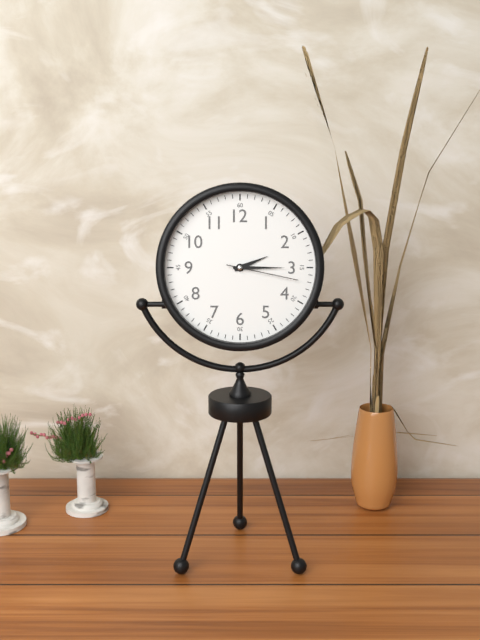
2h15m17s
